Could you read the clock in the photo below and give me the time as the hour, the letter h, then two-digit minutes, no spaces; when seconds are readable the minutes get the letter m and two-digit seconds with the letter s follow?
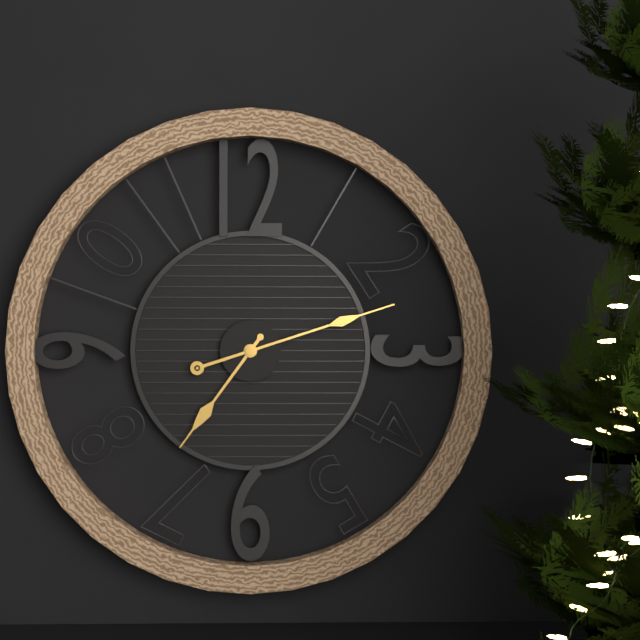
7h12
